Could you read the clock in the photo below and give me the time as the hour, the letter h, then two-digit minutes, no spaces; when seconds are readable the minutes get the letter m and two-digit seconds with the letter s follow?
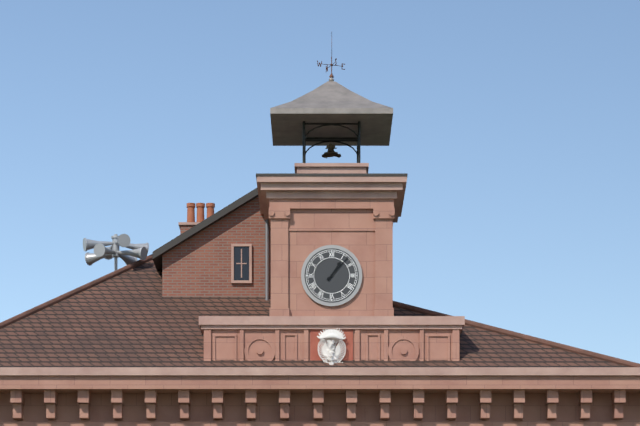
1h07
